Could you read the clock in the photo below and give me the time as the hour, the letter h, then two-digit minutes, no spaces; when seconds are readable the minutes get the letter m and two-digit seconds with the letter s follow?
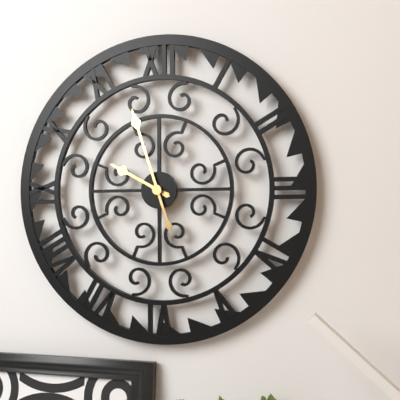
9h57
